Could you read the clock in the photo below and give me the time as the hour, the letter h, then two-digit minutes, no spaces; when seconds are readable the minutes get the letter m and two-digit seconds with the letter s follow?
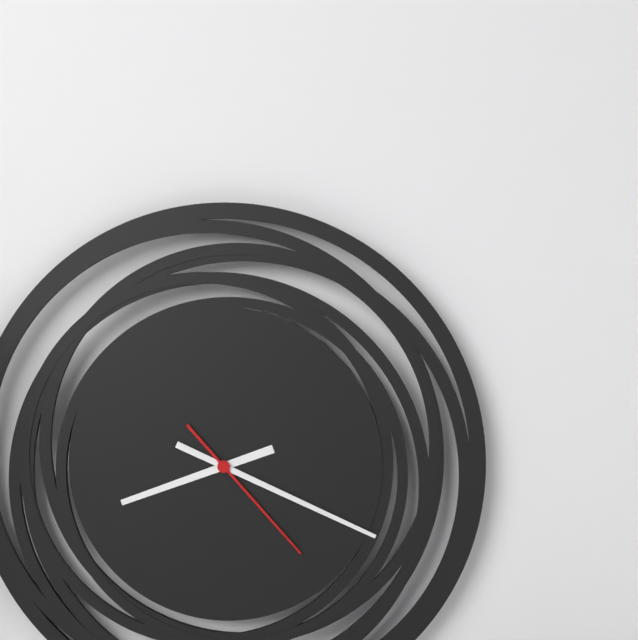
8h19m23s
